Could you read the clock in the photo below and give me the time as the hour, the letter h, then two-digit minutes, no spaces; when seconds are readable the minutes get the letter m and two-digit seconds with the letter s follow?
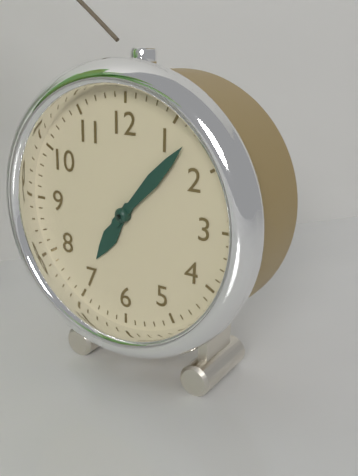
7h07
